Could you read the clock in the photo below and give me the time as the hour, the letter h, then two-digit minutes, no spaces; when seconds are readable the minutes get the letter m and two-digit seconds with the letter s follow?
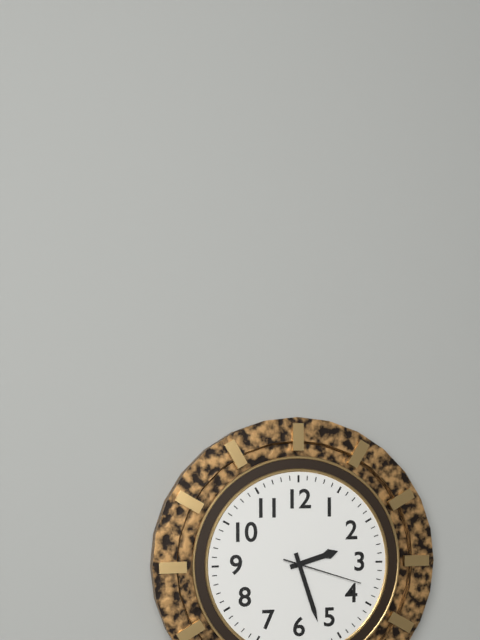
2h27m18s
